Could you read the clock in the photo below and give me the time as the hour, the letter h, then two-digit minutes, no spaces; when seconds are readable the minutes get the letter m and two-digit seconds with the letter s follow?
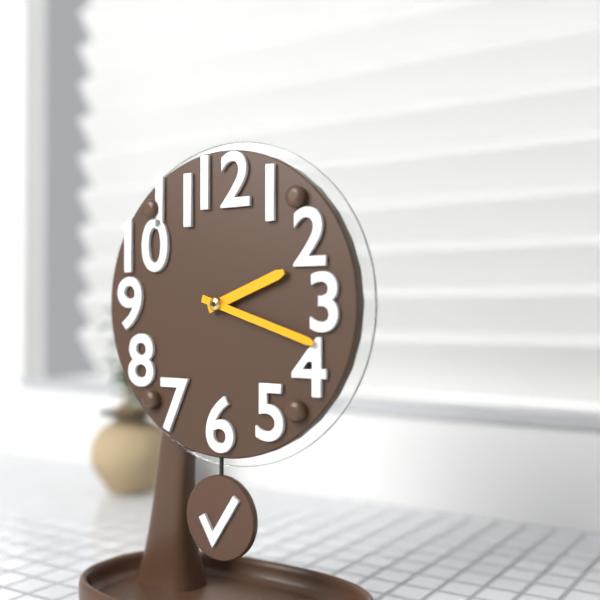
2h18
